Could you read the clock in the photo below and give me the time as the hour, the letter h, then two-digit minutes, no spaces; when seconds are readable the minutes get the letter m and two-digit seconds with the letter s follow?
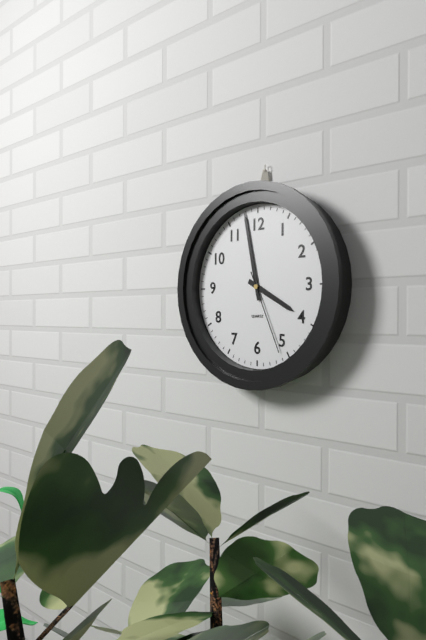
3h58m26s
